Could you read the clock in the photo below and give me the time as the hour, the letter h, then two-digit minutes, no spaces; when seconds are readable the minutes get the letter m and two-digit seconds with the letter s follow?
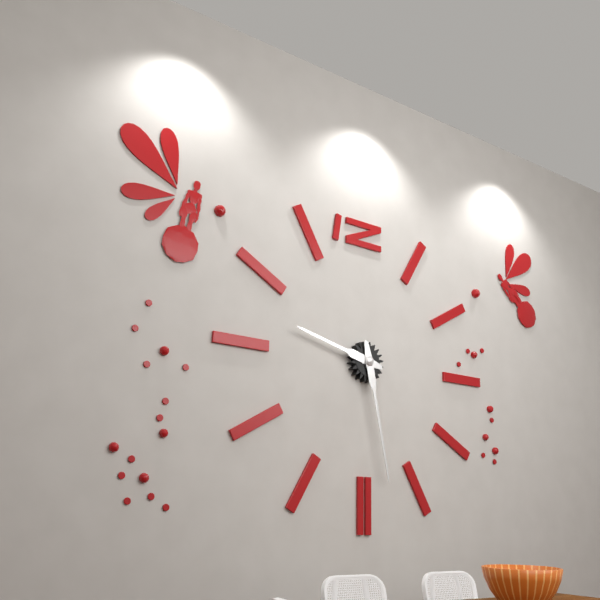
9h28
